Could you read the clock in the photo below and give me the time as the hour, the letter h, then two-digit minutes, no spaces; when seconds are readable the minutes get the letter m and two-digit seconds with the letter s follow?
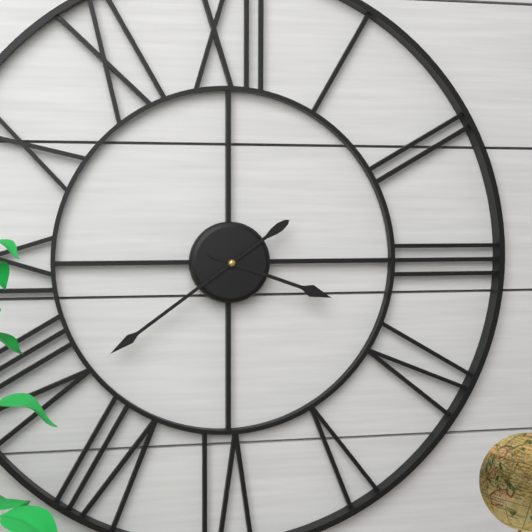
3h39
